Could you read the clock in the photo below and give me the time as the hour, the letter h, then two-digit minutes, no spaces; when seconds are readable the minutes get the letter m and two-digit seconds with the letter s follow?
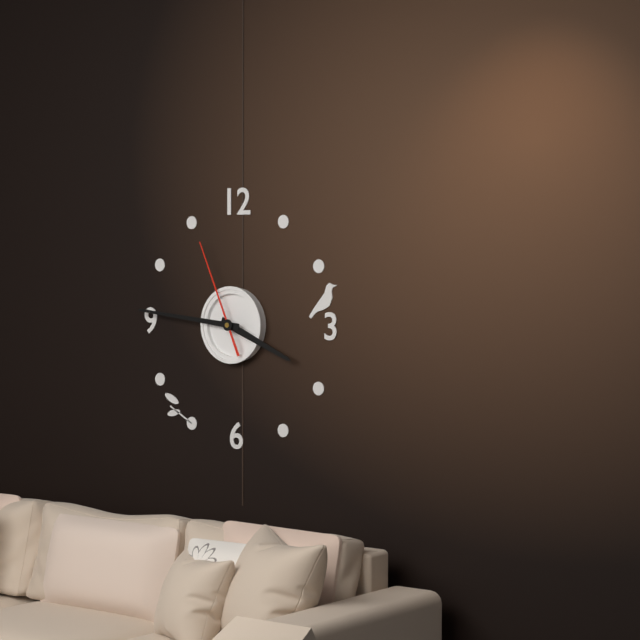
3h46m56s
